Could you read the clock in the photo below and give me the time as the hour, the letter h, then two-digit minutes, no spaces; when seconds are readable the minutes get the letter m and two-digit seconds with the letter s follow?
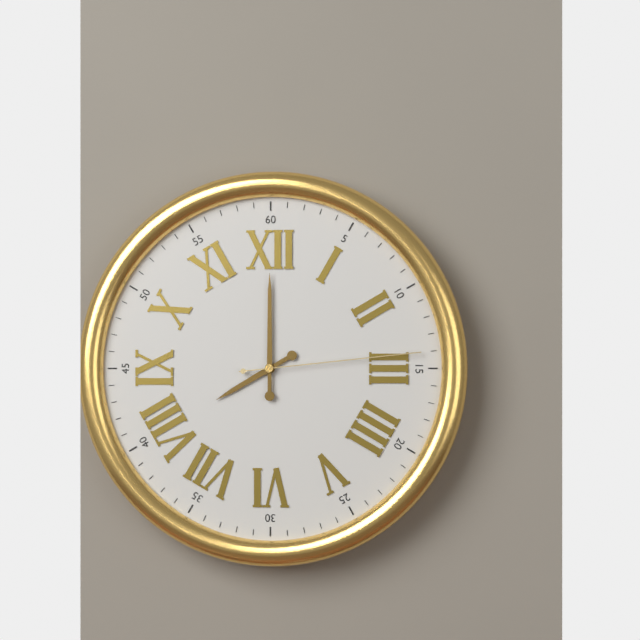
8h00m14s
